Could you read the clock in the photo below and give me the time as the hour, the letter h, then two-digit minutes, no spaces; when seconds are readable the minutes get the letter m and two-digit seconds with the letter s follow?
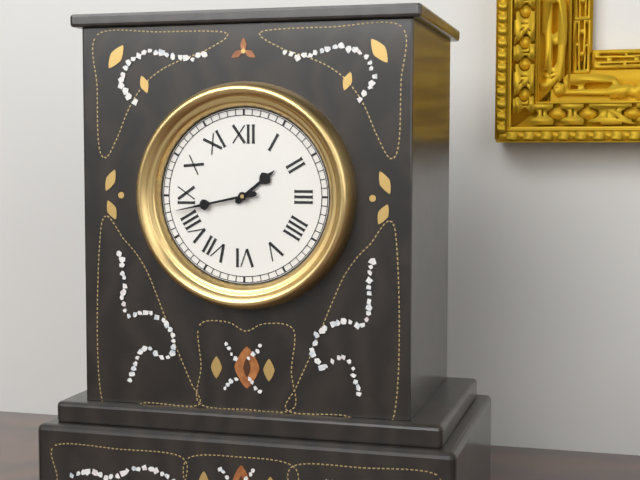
1h43
